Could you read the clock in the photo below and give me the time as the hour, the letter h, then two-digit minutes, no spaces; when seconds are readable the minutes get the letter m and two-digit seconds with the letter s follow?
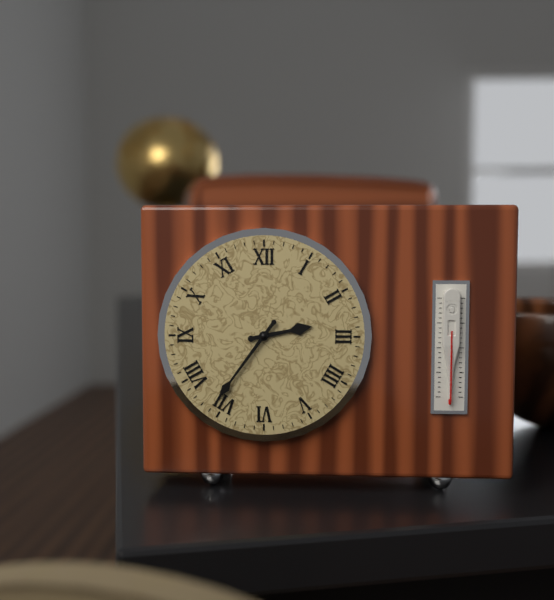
2h36
